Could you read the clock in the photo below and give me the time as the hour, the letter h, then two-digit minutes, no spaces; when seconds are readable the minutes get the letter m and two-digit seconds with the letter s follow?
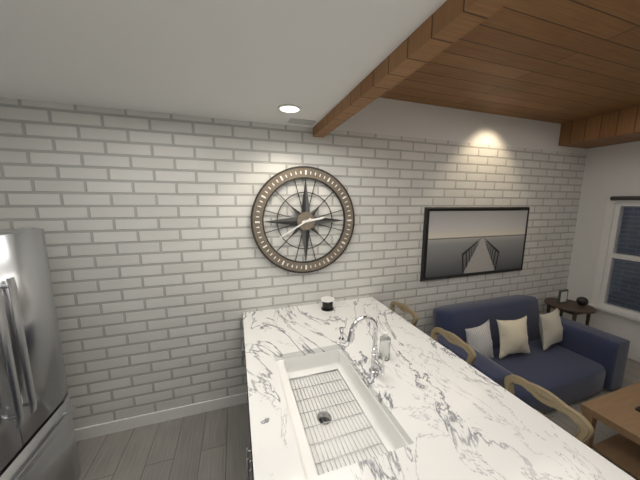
2h40
